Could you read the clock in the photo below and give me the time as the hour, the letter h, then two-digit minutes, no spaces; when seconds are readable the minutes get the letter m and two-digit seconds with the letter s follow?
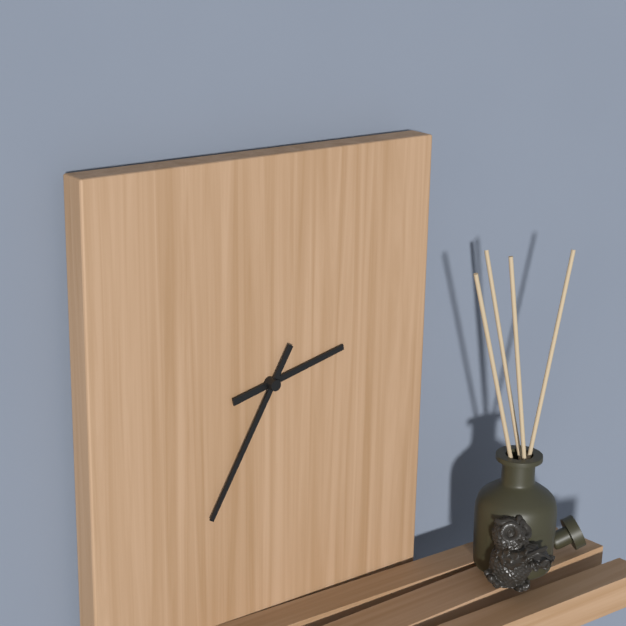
2h35
